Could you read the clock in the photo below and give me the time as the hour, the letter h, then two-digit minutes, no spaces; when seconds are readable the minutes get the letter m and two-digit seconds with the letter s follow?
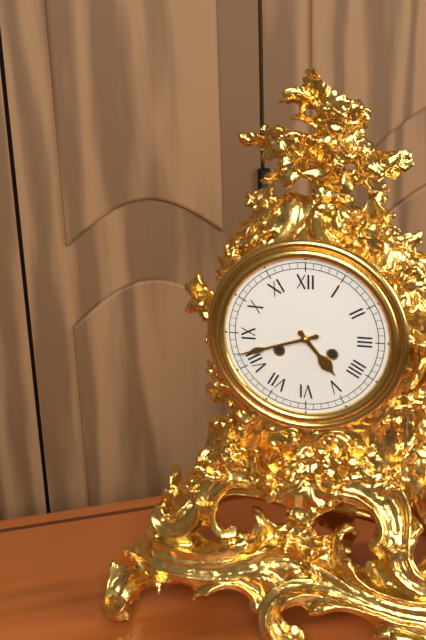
4h42
